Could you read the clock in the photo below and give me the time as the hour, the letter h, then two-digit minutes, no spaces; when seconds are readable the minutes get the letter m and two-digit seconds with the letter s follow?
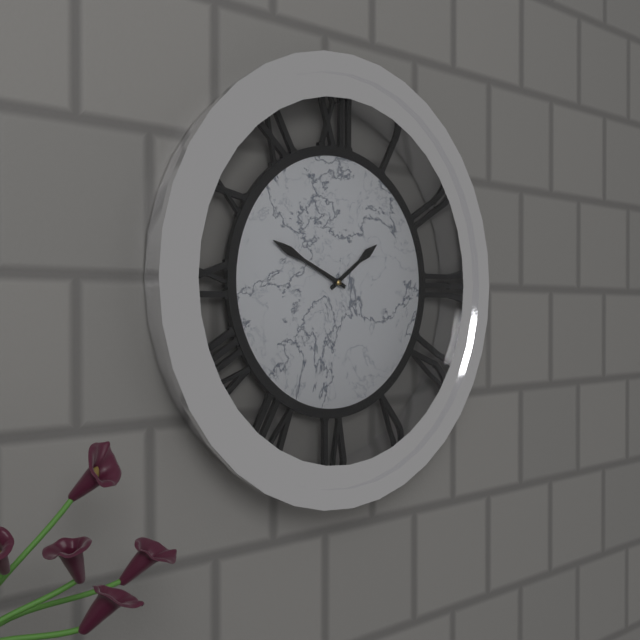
1h49
